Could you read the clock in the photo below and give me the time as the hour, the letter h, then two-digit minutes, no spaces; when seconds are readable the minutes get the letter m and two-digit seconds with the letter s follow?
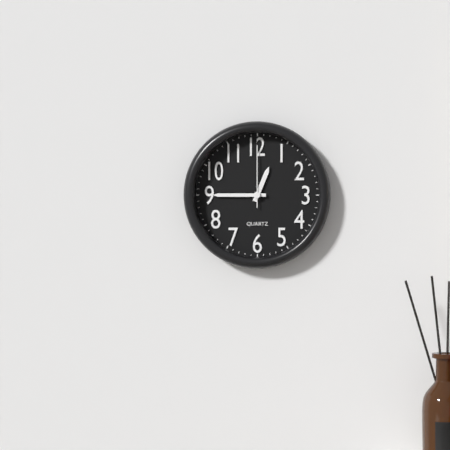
12h45m00s
